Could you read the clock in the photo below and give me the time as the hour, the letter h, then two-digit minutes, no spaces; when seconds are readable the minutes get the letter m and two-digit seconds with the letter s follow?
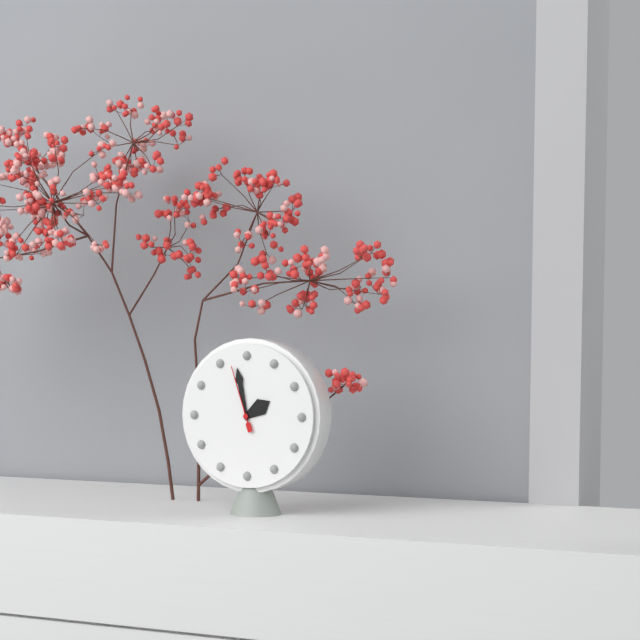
1h58m57s
